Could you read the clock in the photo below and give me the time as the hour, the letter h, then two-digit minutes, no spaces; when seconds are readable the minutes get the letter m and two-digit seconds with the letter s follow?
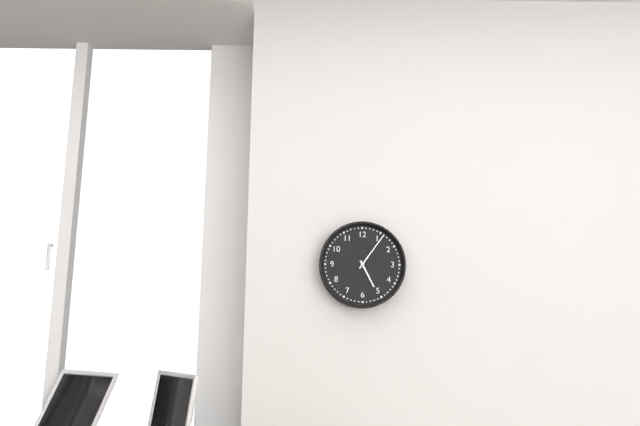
5h06
